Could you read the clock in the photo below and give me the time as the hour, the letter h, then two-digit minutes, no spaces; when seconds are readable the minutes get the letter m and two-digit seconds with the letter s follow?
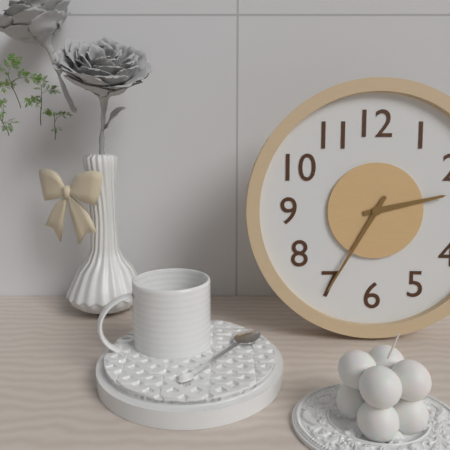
2h35
